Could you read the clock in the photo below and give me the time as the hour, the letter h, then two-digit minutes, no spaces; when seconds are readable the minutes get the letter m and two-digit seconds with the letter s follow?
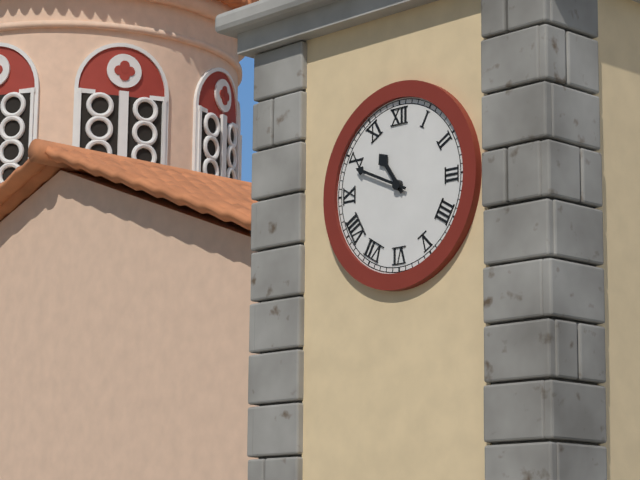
10h49
